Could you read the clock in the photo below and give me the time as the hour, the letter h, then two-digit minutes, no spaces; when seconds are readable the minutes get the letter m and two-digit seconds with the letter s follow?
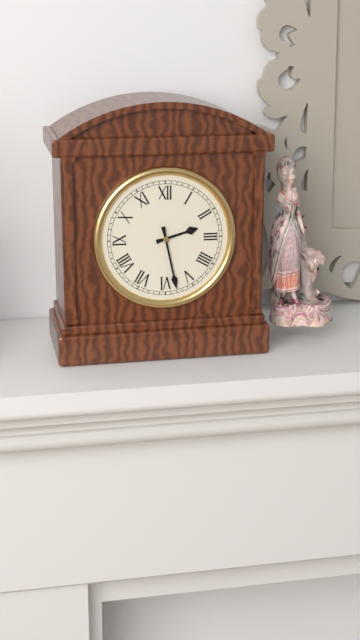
2h28
